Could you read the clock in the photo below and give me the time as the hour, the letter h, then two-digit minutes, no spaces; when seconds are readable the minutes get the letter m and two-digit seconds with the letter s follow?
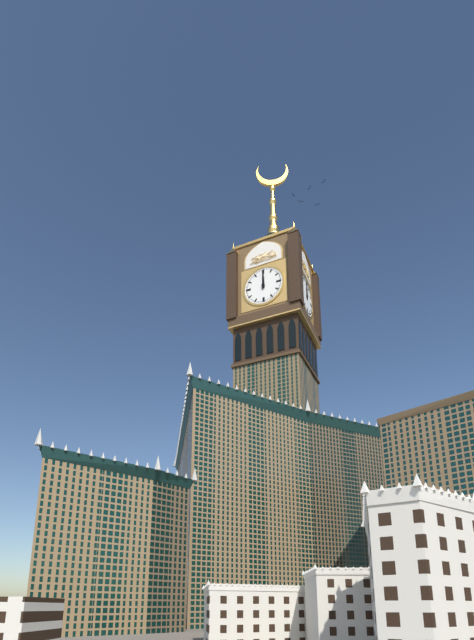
12h00
